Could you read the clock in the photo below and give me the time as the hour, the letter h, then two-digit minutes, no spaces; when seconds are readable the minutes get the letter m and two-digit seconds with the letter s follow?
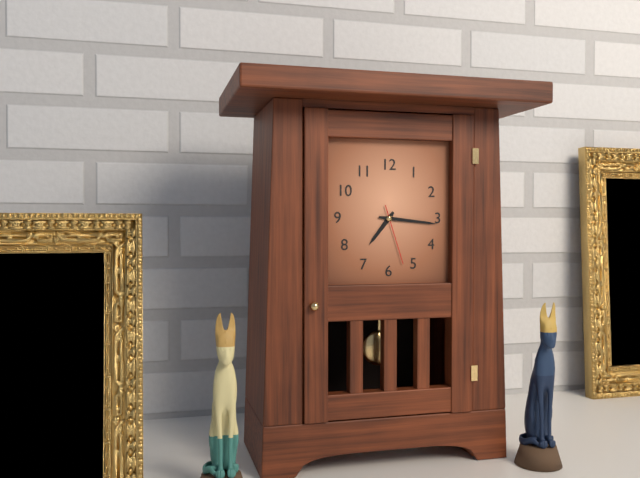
7h16m27s
